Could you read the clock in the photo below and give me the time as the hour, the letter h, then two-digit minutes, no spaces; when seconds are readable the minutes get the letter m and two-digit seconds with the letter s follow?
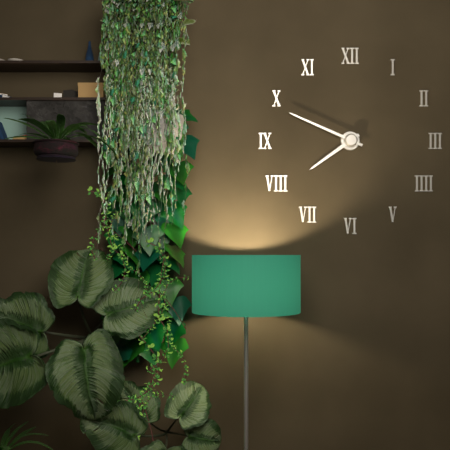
7h49
